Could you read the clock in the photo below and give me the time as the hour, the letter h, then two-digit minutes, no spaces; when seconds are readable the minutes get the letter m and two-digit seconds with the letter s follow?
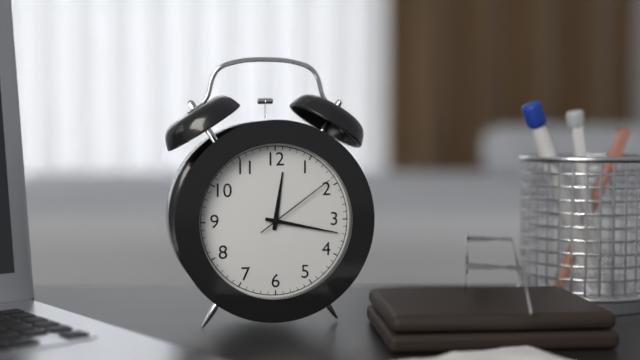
12h17m09s
